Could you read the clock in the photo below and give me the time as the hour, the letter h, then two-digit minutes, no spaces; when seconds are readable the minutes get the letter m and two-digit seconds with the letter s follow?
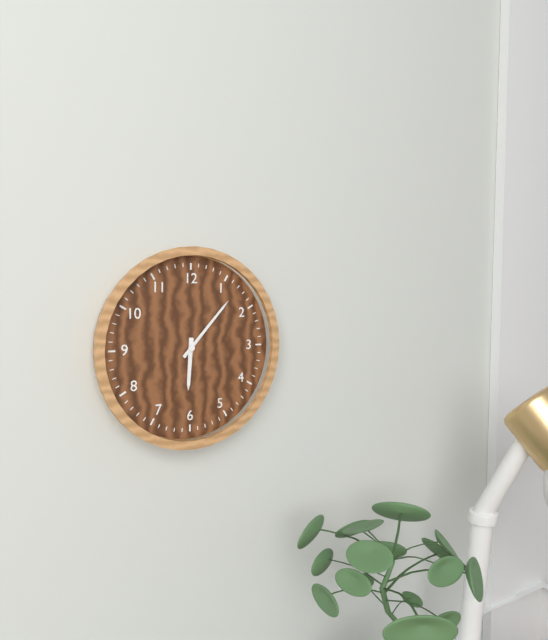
6h07
